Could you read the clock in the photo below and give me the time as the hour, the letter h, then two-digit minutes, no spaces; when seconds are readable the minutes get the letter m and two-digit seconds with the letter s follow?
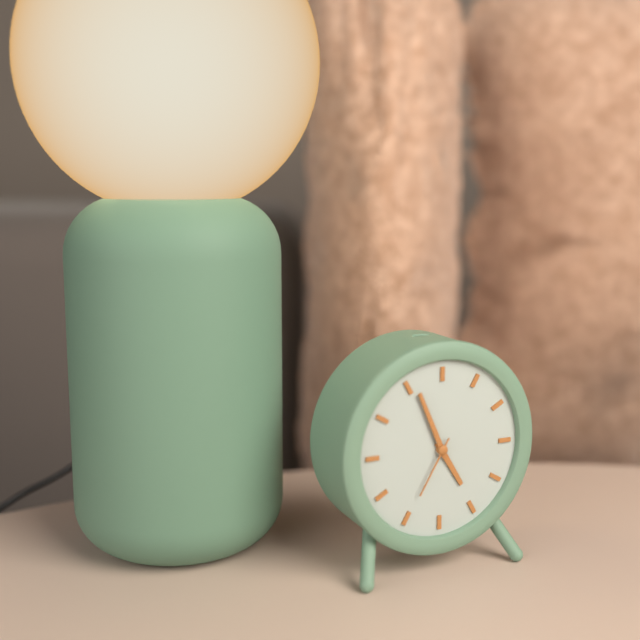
4h56m35s
